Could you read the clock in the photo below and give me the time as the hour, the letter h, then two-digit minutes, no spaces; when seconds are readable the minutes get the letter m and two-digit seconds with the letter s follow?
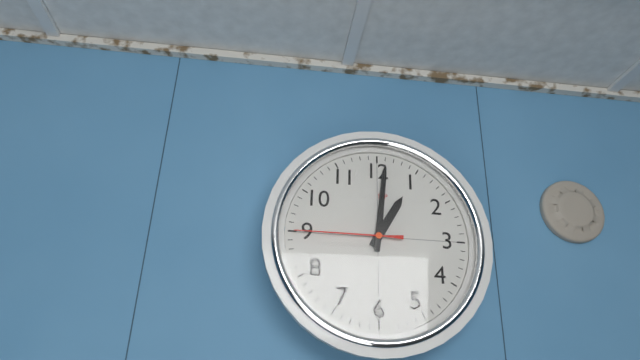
1h01m45s
